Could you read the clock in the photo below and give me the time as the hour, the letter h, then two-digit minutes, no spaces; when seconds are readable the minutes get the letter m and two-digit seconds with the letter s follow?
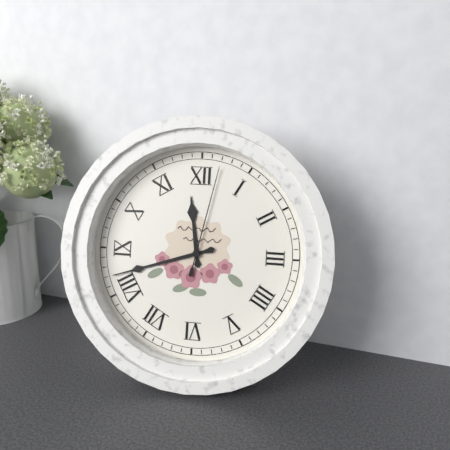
11h42m02s
